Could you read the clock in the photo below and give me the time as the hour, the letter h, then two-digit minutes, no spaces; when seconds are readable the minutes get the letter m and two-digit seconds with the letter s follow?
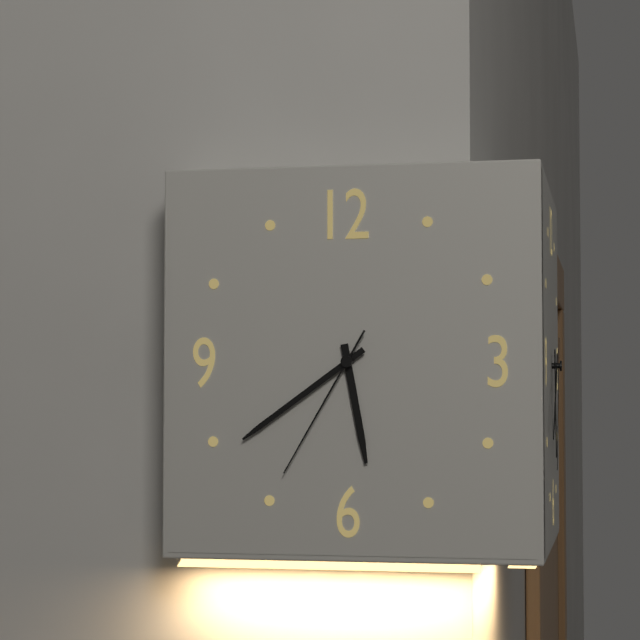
5h39m35s
